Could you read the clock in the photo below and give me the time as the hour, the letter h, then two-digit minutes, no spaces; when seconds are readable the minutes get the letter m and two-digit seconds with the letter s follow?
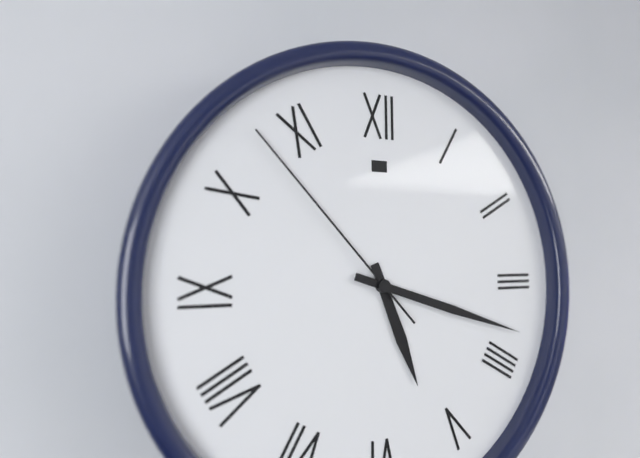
5h18m53s
